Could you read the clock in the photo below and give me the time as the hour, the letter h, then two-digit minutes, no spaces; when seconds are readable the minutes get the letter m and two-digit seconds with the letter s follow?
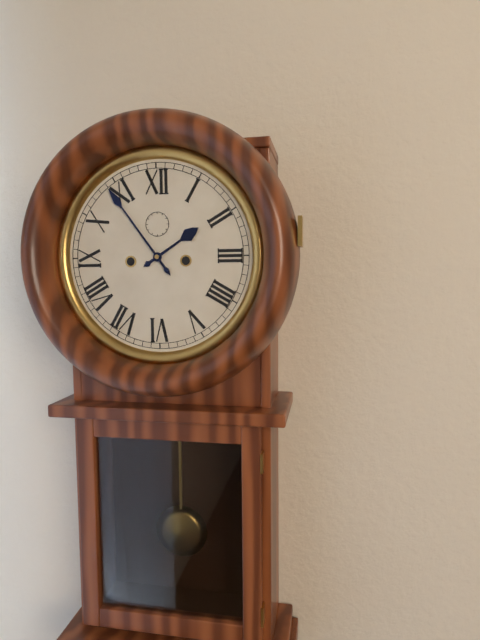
1h54
